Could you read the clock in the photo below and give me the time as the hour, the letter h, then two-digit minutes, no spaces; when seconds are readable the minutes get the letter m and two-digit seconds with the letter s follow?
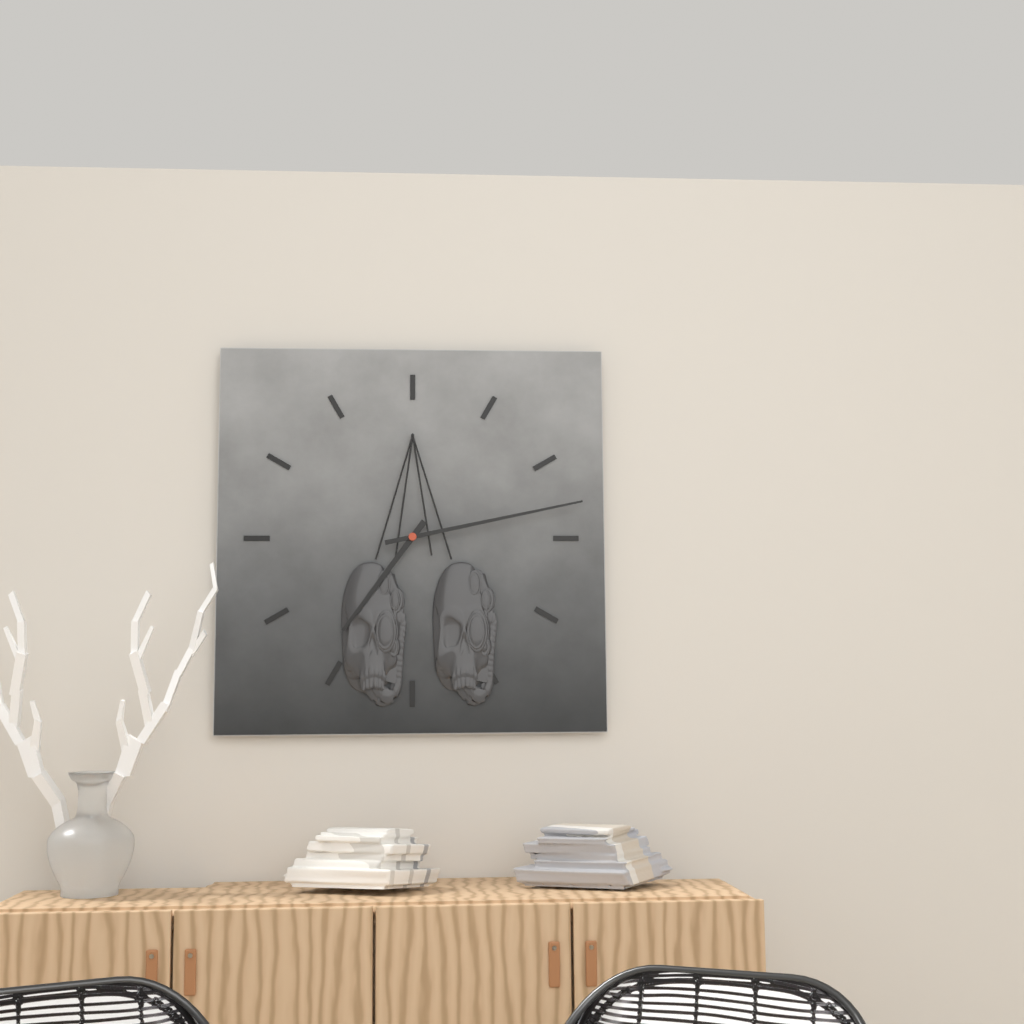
7h13
